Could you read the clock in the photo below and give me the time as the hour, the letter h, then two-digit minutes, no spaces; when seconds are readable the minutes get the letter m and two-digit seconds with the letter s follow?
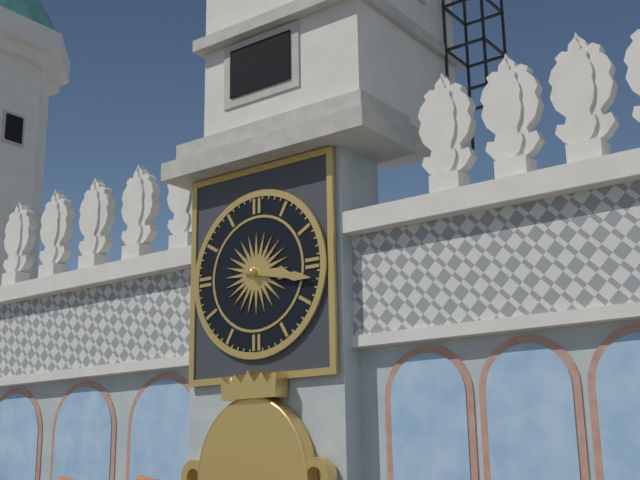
3h17
